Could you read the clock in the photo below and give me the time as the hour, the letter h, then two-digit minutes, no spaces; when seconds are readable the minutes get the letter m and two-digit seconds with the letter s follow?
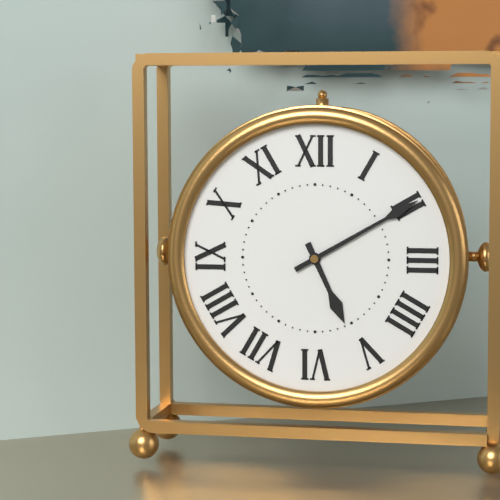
5h10
